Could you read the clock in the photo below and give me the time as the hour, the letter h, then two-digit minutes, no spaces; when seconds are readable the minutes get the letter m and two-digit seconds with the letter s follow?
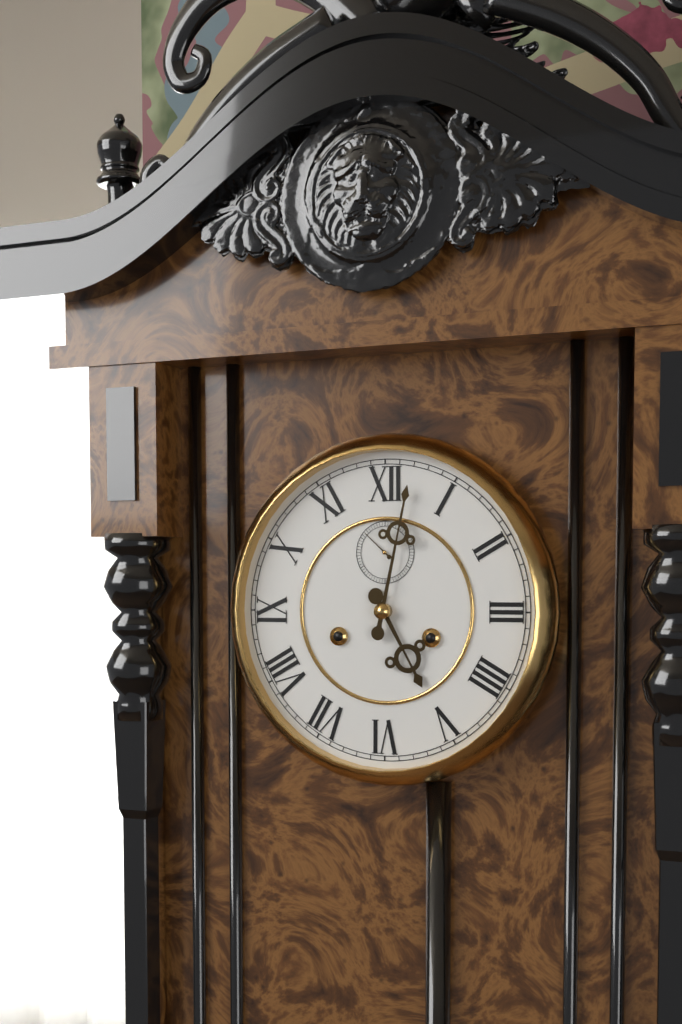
5h02
